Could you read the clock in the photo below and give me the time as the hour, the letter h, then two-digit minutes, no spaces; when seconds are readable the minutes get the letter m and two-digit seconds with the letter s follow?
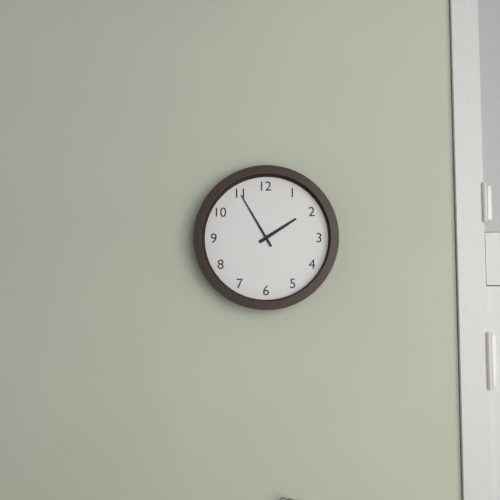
1h55
